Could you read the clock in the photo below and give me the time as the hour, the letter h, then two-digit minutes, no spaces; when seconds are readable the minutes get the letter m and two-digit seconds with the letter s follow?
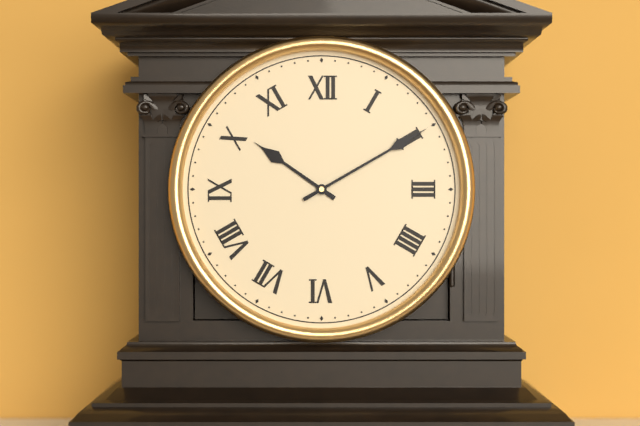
10h10
